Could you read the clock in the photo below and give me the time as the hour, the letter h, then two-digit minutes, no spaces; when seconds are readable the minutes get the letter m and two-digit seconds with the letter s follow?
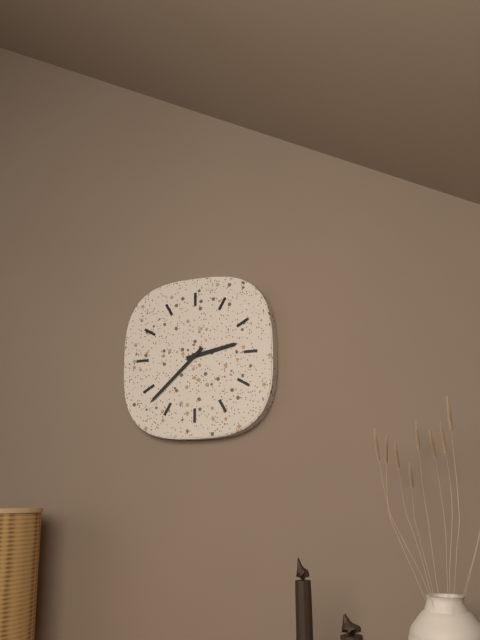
2h38
